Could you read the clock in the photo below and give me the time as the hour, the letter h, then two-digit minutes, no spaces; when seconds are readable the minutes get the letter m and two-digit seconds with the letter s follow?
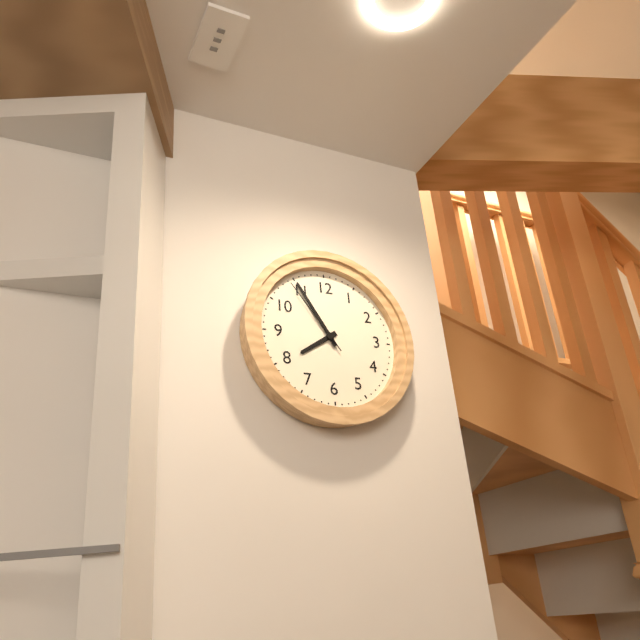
7h55m54s
